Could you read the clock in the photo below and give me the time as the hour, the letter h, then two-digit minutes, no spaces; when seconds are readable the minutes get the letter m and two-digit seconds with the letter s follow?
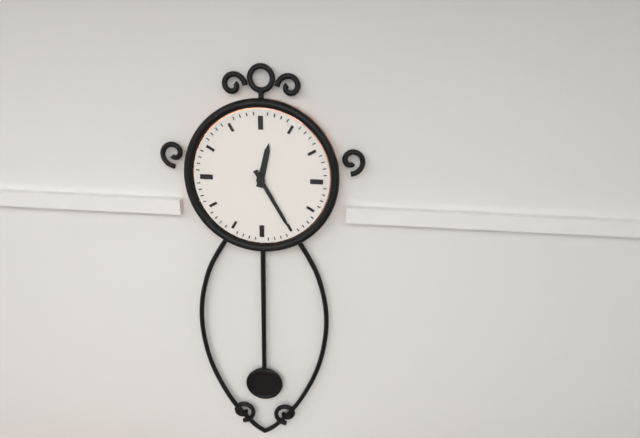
12h25
